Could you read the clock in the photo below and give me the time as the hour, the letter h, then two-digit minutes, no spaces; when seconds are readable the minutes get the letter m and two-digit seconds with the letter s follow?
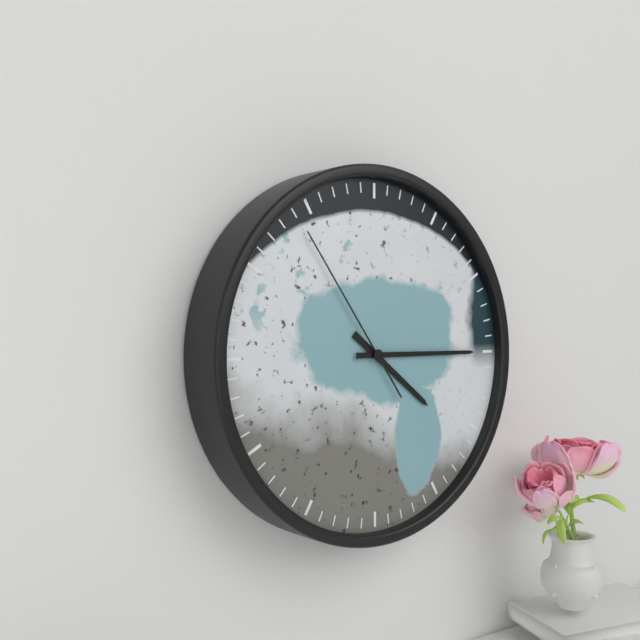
4h15m54s
